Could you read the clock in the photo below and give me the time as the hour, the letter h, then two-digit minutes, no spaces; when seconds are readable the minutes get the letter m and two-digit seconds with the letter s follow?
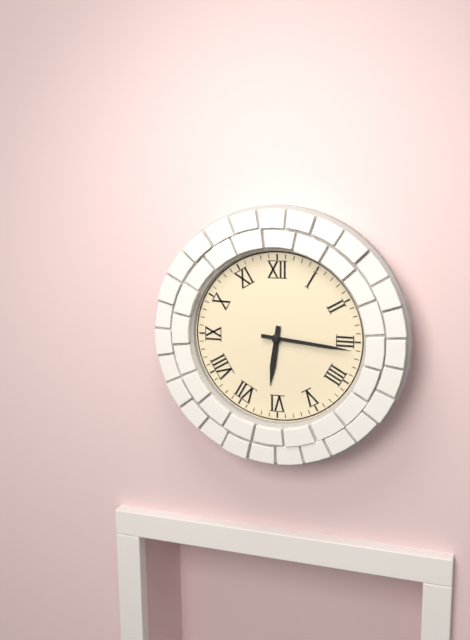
6h16
